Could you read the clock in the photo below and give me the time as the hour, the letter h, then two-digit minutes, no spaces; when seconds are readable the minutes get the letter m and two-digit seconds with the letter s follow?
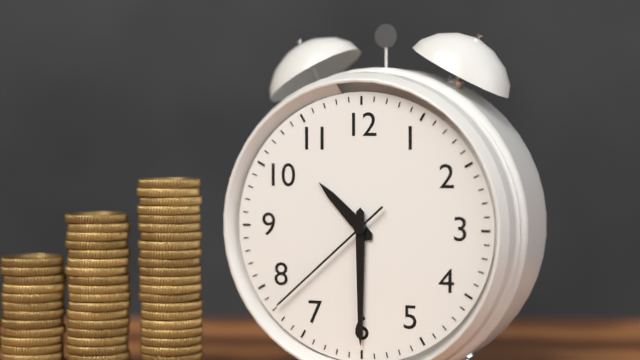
10h30m38s
